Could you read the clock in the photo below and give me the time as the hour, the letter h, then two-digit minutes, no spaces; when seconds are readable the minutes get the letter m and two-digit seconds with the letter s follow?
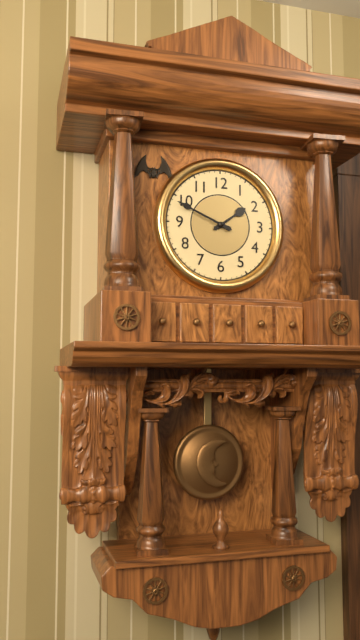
1h49
